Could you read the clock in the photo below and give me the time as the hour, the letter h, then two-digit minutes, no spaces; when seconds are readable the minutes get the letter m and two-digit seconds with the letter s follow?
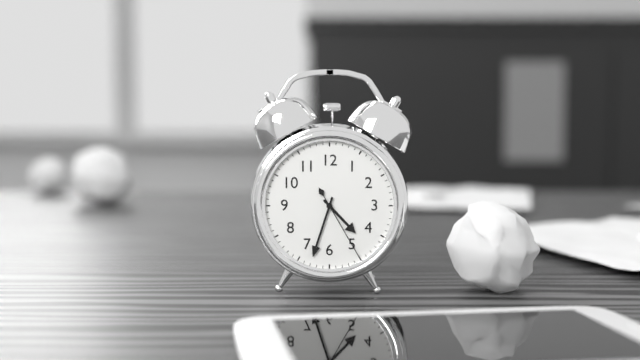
4h33m25s
